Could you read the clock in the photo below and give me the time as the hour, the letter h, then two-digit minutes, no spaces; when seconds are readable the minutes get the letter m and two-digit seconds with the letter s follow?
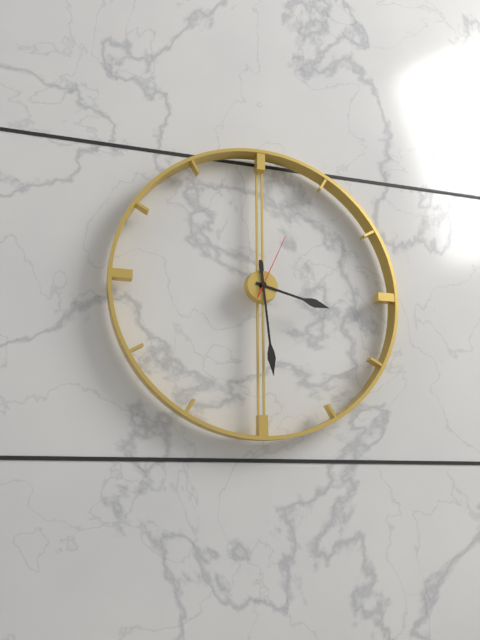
3h29m04s
